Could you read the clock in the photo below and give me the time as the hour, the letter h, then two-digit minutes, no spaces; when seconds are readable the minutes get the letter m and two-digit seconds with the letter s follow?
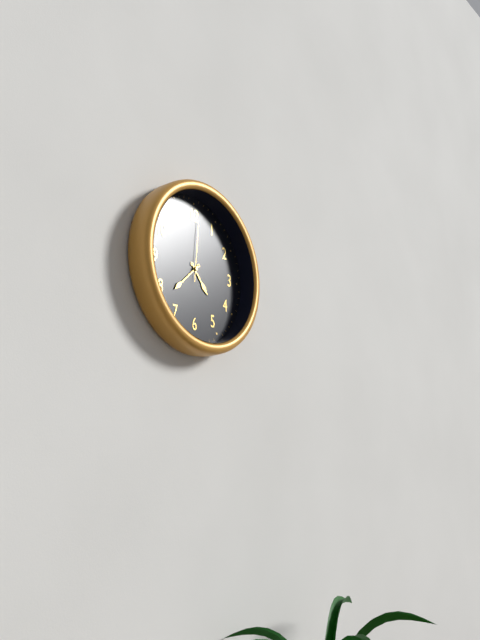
4h38m01s
